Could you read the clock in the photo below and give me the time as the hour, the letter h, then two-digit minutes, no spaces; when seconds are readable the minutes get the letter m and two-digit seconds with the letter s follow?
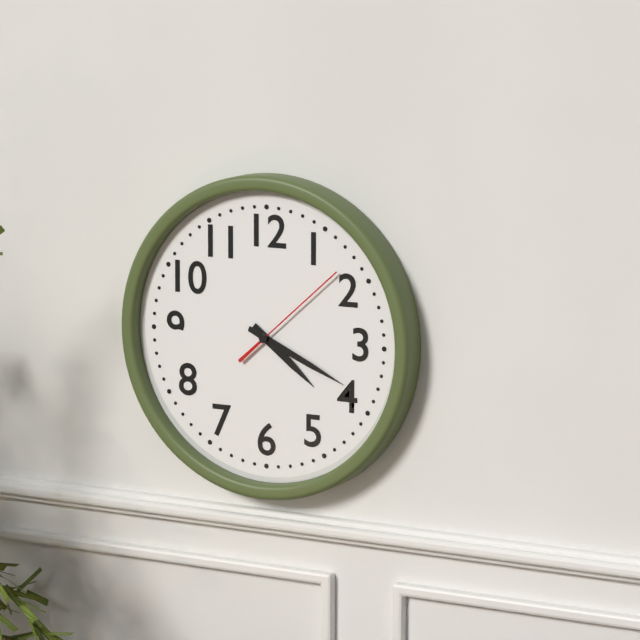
4h19m08s
